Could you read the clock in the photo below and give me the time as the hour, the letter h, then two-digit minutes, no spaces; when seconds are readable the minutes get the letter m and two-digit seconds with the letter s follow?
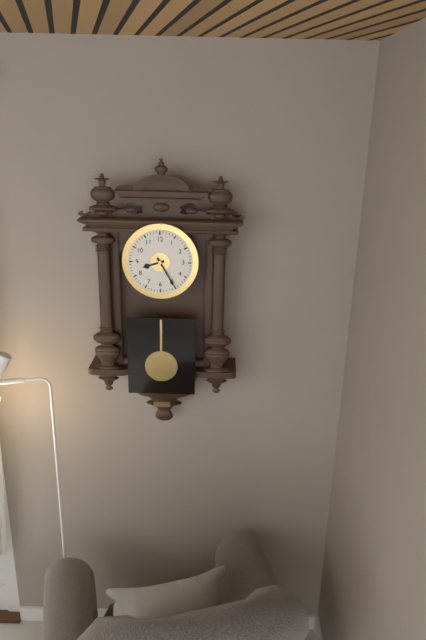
8h25
